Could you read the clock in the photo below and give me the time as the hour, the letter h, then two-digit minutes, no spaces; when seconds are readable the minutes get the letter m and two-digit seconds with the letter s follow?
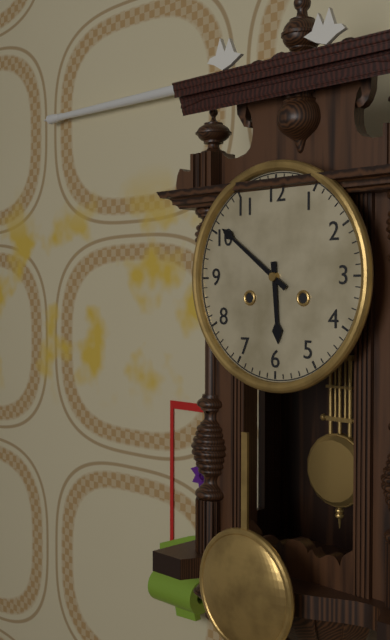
5h51
